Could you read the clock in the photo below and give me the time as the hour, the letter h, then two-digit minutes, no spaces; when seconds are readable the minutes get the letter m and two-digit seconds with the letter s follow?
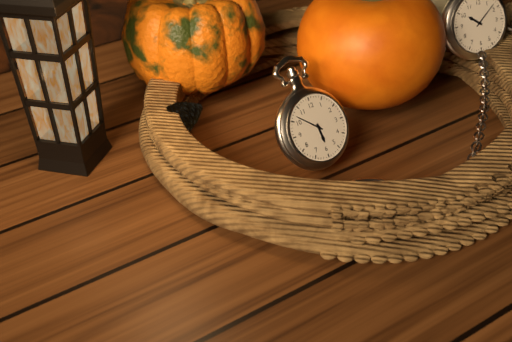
5h52
